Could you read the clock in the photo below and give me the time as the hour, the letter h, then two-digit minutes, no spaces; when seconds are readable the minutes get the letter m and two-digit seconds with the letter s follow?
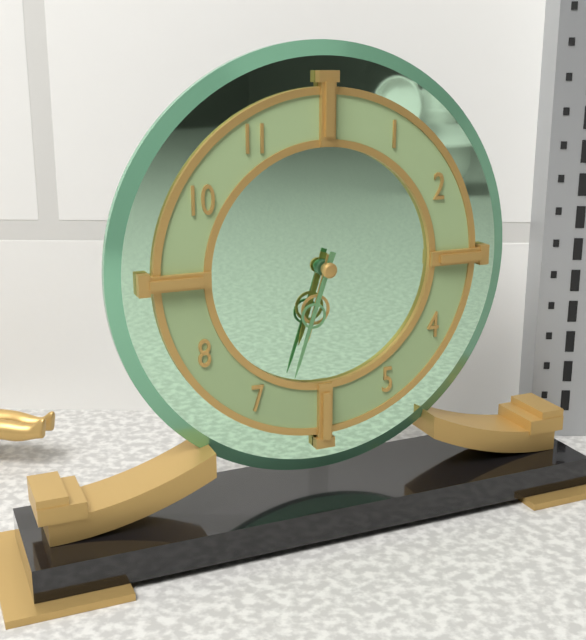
6h33
